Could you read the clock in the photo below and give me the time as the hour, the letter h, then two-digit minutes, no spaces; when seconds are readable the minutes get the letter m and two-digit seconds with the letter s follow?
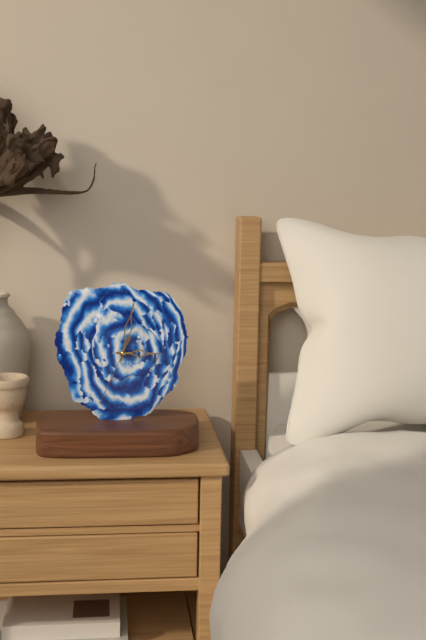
3h02m34s
